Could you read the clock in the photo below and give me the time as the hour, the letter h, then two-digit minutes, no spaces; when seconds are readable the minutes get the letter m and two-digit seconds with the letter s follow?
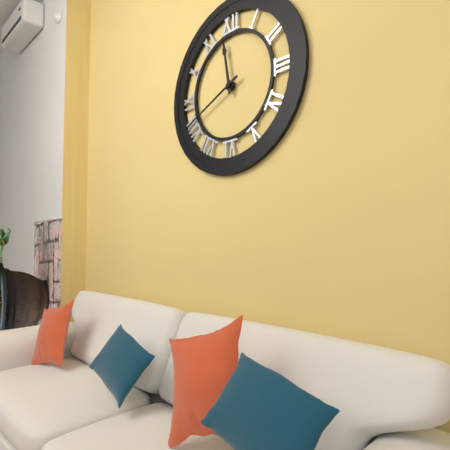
11h41
